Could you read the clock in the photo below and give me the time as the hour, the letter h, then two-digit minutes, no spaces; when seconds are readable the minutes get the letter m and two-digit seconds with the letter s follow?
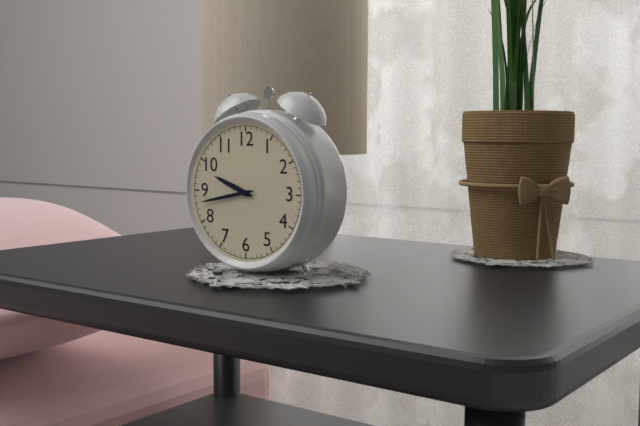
9h43
